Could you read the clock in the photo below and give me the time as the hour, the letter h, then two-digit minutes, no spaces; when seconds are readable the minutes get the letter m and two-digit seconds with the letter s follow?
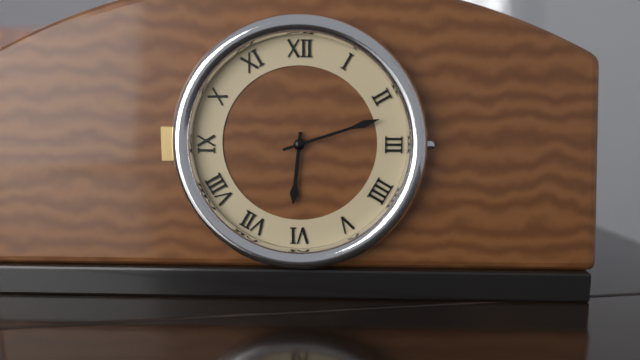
6h12
